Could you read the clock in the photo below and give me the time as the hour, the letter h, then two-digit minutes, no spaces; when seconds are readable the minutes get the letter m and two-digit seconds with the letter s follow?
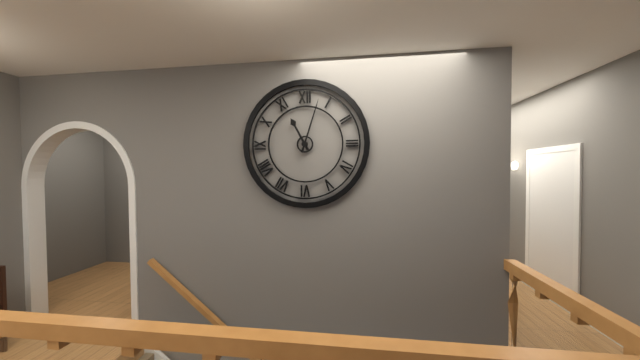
11h03
